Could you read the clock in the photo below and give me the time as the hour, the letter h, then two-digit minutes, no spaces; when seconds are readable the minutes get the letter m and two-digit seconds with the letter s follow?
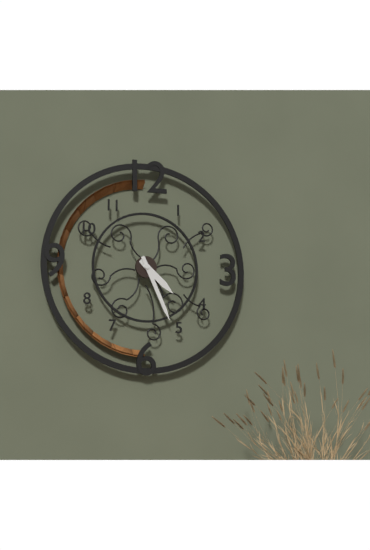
4h26
